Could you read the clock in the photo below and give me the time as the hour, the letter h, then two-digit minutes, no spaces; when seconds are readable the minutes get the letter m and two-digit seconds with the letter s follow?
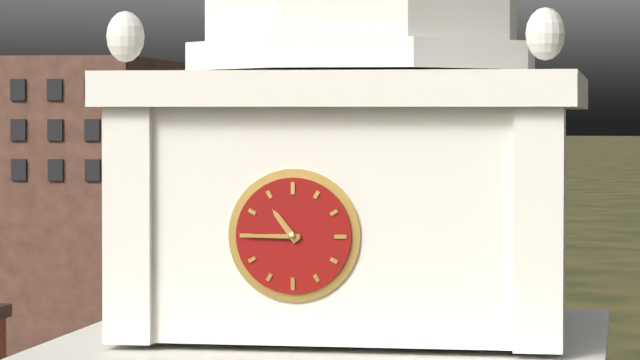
10h45
